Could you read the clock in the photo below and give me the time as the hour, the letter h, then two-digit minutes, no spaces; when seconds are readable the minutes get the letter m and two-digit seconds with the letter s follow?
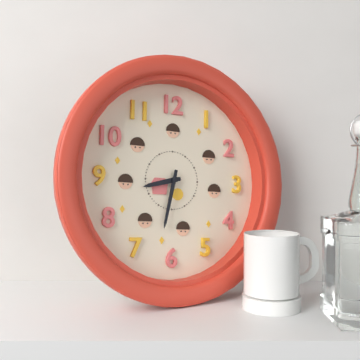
8h32
